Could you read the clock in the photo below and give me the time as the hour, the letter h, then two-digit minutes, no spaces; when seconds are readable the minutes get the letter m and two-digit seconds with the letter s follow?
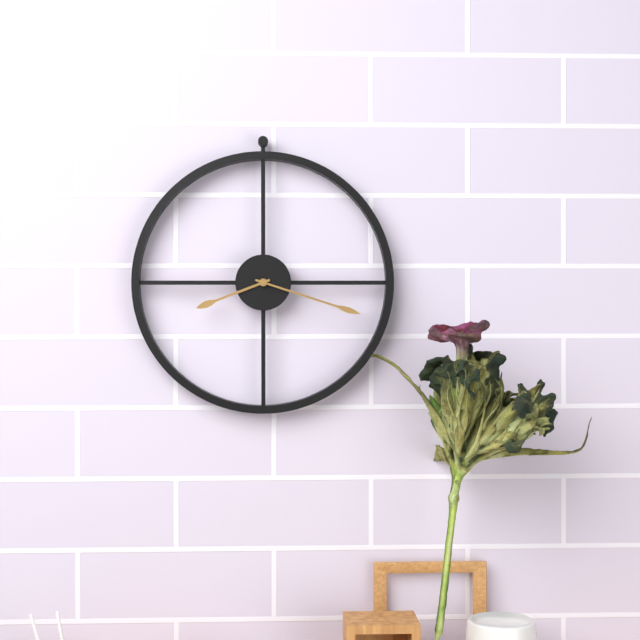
8h18
